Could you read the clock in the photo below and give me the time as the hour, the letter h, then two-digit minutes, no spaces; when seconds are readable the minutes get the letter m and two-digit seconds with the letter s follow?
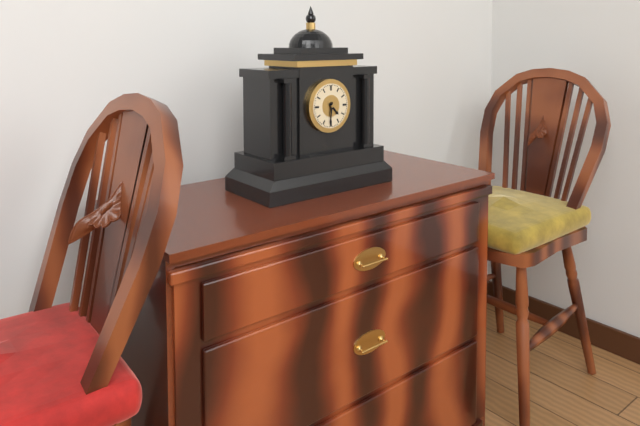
4h31
